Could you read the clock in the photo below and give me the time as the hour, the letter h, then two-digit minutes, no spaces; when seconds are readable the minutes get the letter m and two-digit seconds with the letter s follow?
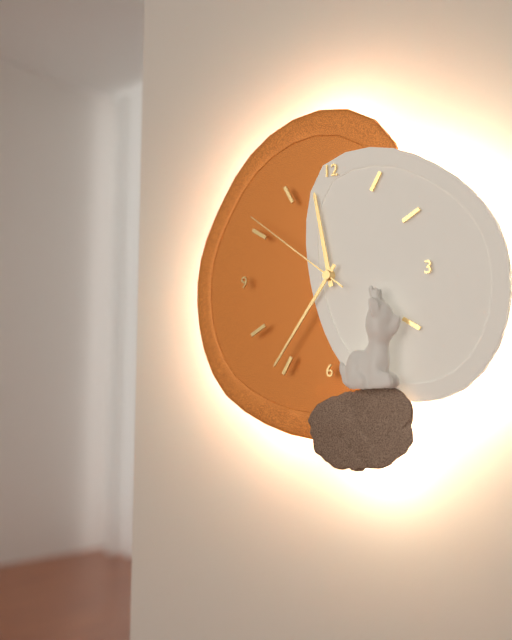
11h36m51s
